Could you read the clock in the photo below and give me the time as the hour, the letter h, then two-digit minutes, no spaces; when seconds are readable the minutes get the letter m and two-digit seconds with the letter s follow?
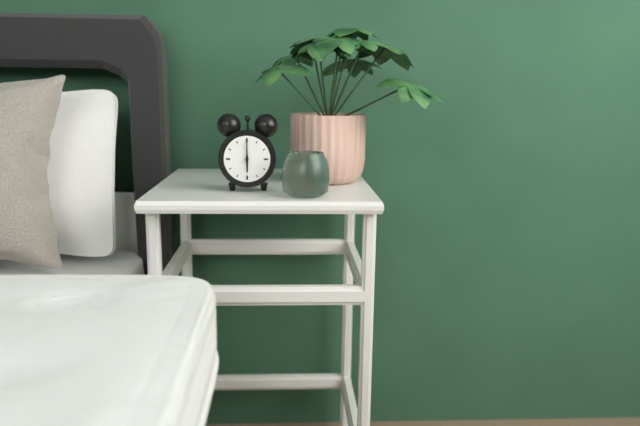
6h00
